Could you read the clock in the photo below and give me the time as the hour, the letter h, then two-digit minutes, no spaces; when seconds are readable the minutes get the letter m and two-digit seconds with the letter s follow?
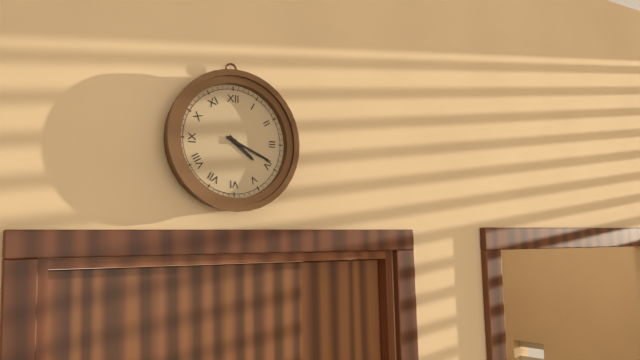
4h19
